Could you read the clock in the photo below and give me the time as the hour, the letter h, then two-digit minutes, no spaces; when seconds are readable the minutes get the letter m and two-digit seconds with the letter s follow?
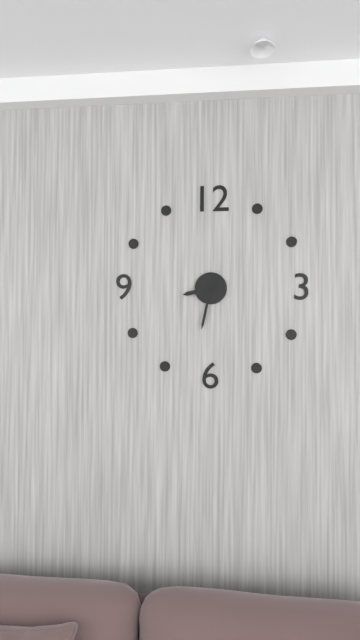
8h32
